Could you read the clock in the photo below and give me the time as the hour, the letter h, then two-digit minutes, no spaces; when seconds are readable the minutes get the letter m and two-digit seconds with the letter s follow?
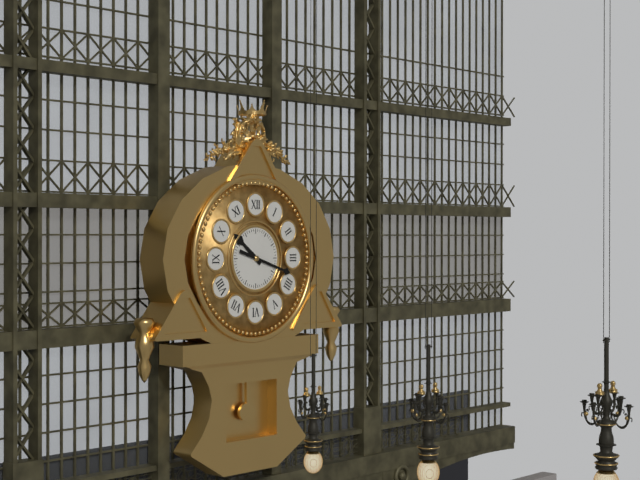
10h18
